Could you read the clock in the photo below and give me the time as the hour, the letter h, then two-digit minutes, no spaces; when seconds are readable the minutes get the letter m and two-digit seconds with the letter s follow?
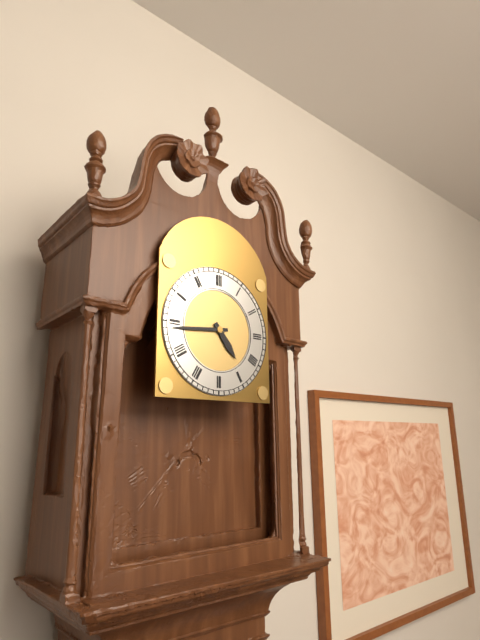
4h44
